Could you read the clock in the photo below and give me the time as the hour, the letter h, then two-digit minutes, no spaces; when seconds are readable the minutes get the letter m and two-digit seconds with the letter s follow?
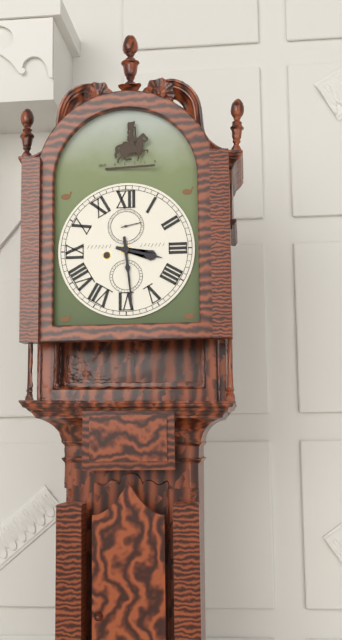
3h29
